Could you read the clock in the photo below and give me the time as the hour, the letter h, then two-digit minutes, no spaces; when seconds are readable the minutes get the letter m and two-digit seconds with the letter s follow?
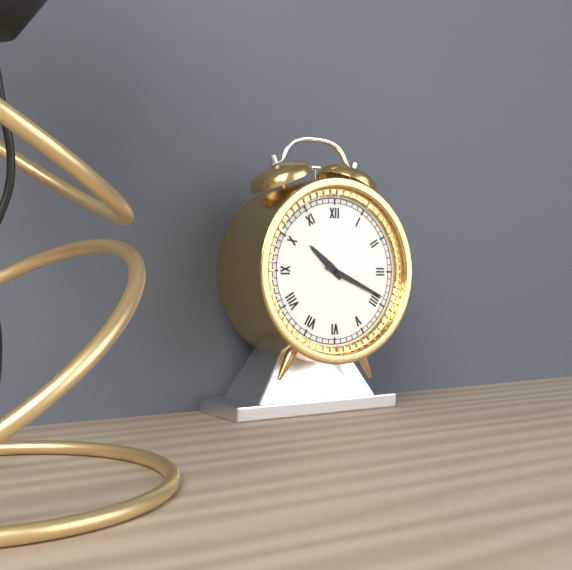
10h19
